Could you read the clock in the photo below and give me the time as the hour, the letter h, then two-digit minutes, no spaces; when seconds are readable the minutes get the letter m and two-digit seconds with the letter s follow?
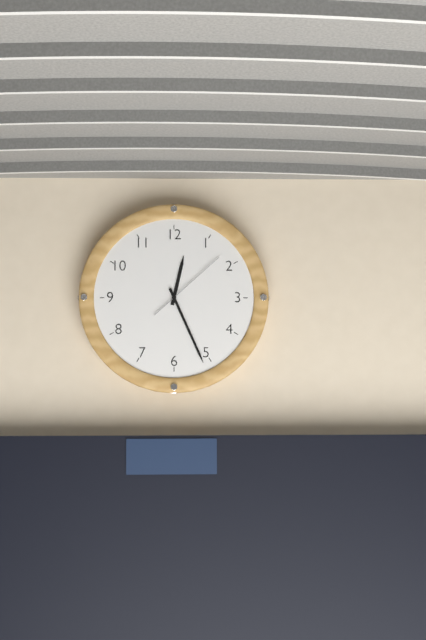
12h26m08s
